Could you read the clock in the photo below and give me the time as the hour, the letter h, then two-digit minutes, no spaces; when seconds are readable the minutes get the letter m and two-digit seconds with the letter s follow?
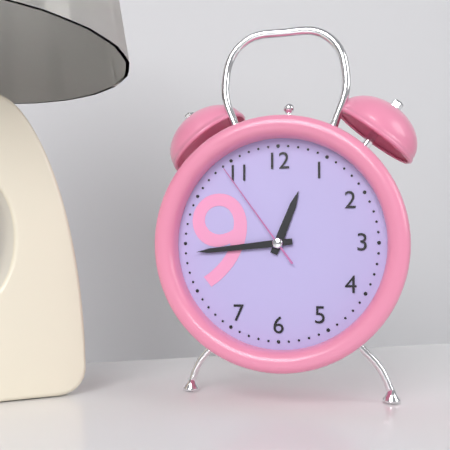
12h44m54s
